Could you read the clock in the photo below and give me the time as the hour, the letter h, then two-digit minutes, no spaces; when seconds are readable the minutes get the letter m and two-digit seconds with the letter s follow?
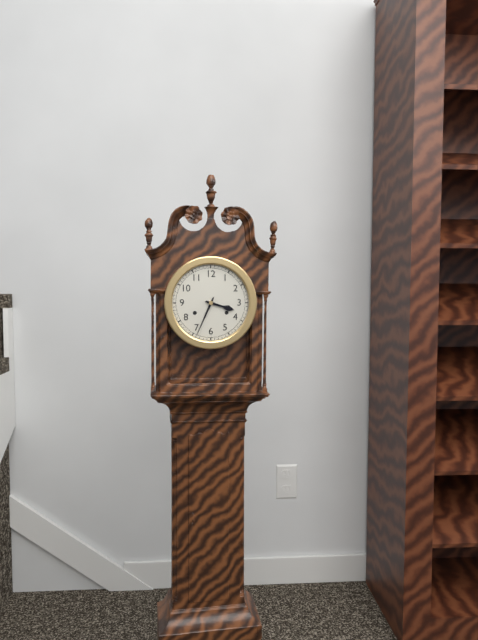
3h34
